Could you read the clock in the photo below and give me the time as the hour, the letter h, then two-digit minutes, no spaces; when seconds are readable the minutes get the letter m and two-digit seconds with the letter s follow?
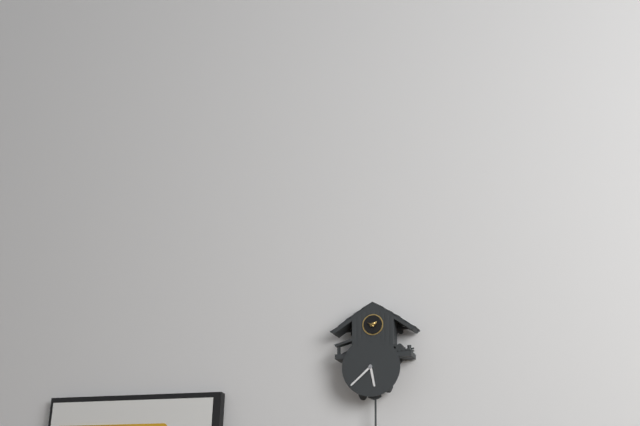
5h38
